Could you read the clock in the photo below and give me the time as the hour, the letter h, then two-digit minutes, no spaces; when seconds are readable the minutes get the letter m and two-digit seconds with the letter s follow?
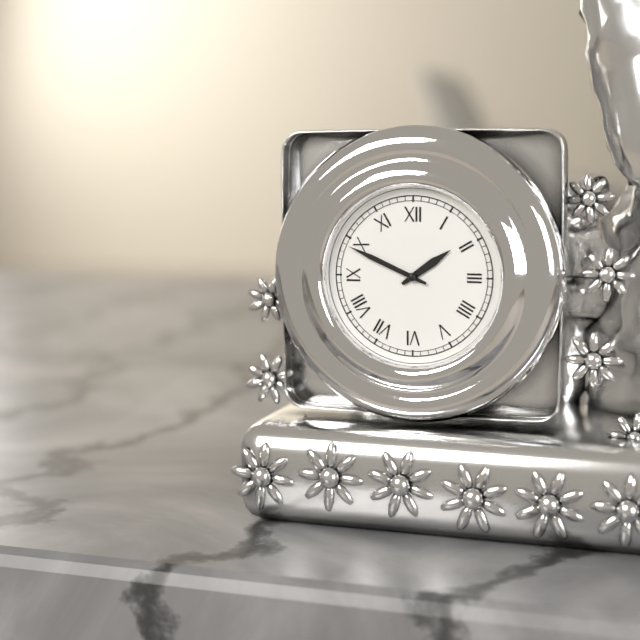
1h49
